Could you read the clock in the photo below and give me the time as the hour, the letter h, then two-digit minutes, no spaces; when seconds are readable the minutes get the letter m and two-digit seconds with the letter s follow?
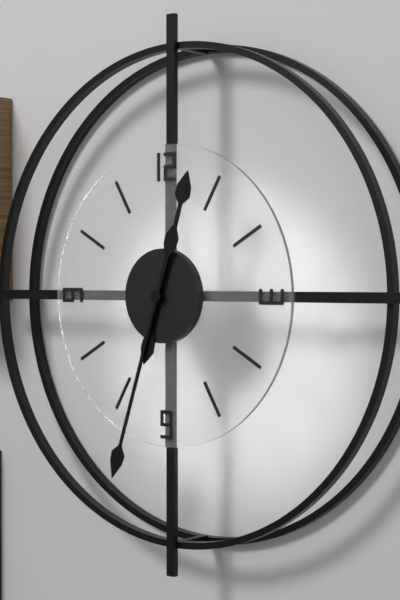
12h33
